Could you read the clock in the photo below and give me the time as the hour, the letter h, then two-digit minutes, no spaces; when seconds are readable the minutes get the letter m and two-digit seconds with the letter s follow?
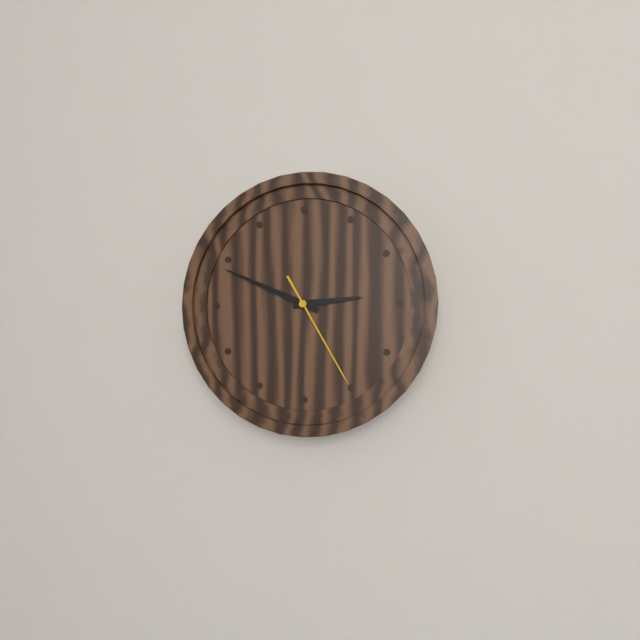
2h49m25s
